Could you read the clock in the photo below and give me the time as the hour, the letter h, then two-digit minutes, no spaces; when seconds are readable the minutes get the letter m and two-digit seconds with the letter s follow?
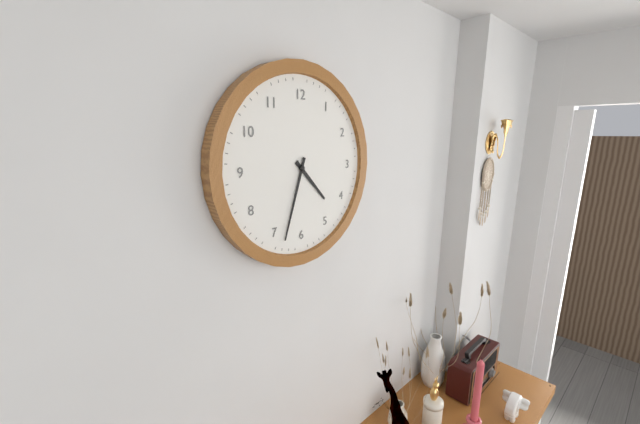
4h33
